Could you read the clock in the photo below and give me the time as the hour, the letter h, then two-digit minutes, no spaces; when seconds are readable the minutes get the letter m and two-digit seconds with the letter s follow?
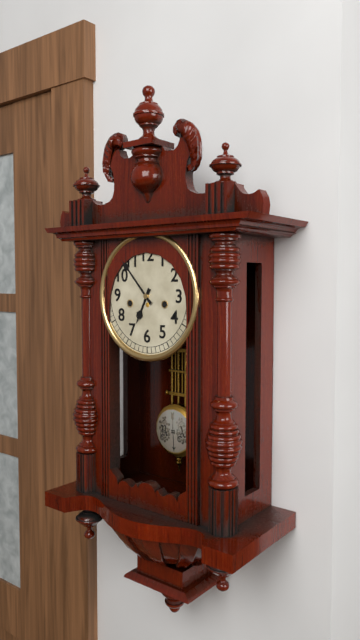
6h53
